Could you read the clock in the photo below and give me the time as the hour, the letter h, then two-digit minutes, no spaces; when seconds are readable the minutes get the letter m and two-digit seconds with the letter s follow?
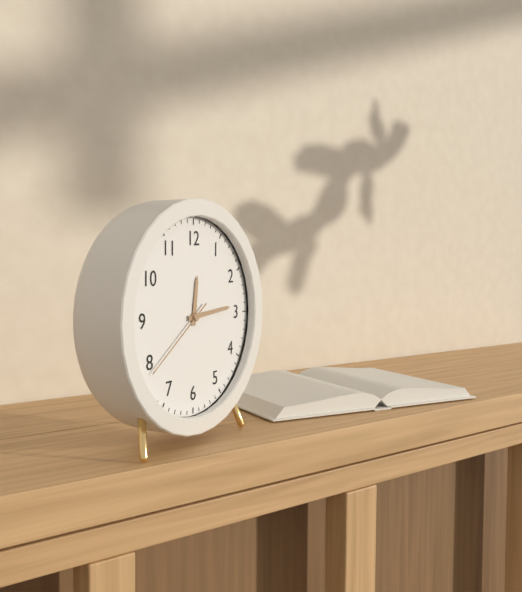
12h14m39s
